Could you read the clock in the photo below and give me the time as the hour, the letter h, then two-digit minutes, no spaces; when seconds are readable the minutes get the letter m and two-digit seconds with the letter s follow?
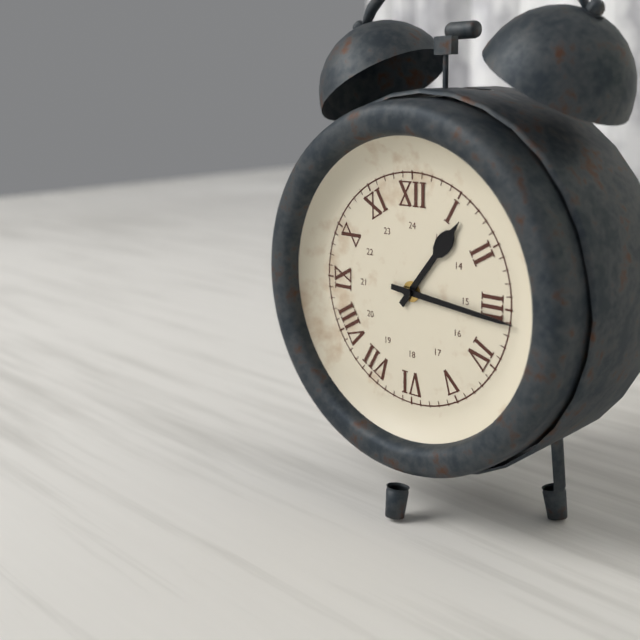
1h16
